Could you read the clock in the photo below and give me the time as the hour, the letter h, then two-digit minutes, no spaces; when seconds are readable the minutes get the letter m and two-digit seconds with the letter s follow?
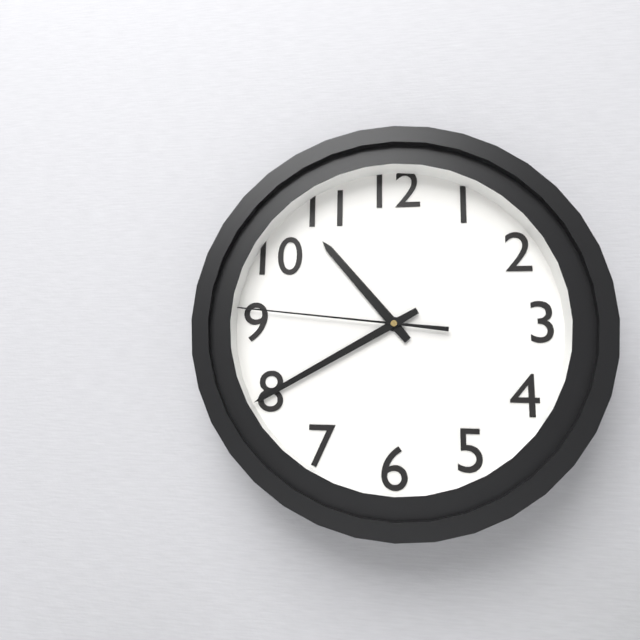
10h40m46s
